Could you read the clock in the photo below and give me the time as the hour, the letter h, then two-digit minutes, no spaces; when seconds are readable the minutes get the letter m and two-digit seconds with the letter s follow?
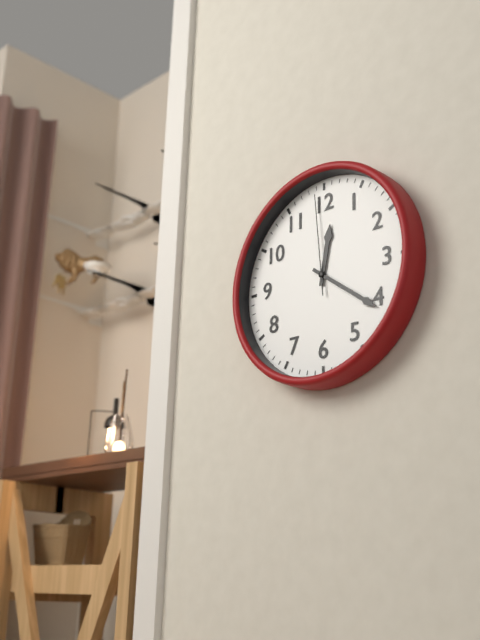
12h21m59s
